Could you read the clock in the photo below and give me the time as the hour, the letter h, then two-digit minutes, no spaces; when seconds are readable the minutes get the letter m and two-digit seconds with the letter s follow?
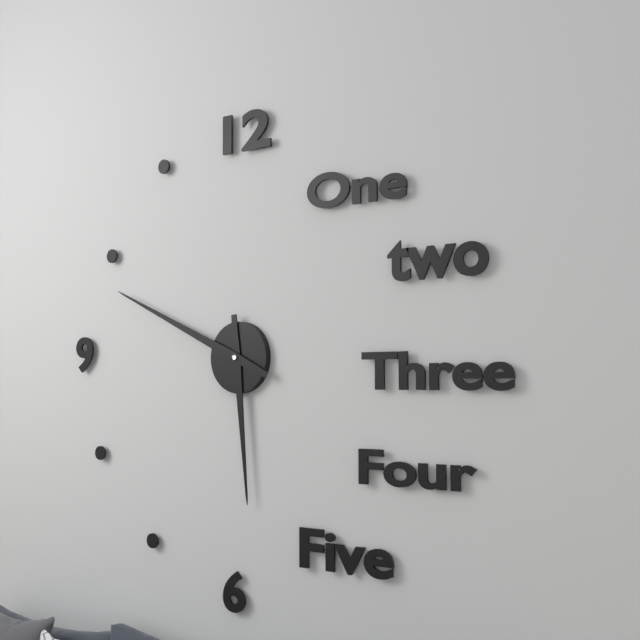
5h49
